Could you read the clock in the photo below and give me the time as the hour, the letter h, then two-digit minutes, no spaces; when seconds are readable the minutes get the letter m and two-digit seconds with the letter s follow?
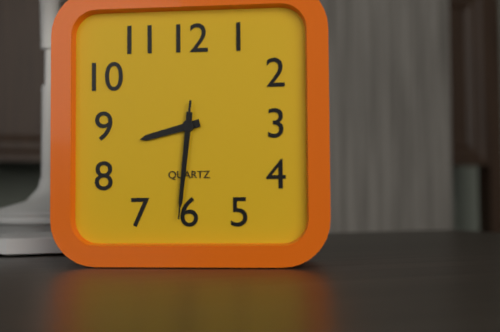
8h31m31s
